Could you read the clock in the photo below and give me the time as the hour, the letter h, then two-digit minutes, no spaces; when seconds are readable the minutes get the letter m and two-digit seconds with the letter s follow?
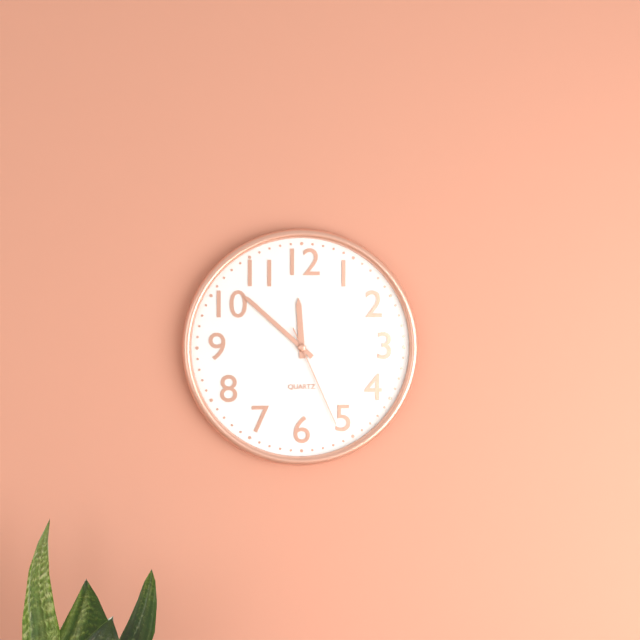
11h52m26s
